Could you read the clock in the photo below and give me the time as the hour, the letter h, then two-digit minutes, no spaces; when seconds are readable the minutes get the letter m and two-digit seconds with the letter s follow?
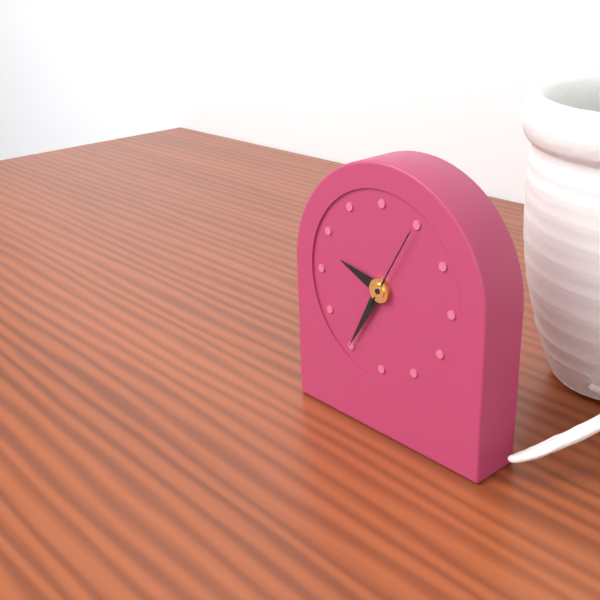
9h35m05s
